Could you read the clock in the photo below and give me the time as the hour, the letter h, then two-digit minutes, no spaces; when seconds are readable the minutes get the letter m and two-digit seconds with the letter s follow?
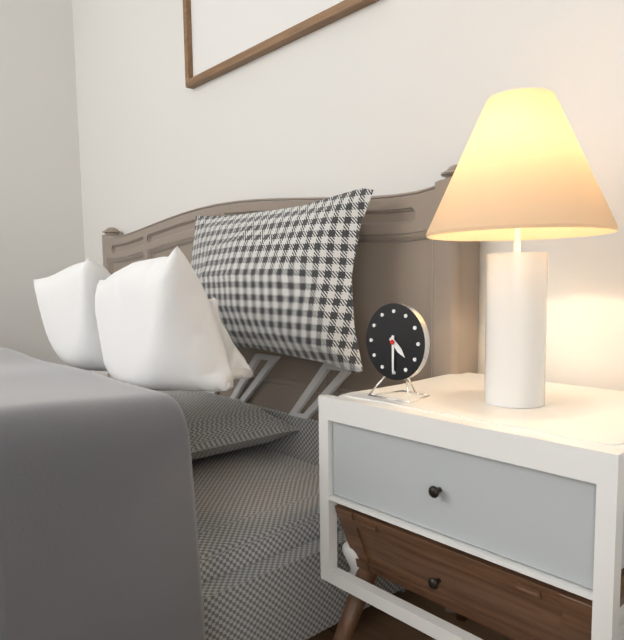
4h30
